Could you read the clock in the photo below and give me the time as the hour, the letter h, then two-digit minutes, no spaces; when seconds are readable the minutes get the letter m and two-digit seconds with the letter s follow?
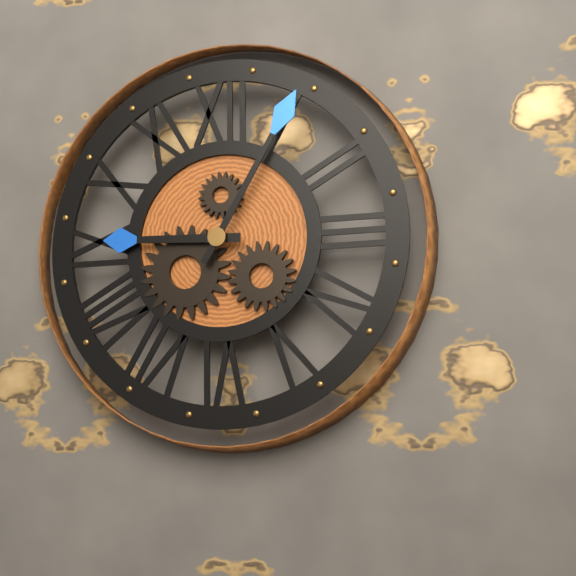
9h05
